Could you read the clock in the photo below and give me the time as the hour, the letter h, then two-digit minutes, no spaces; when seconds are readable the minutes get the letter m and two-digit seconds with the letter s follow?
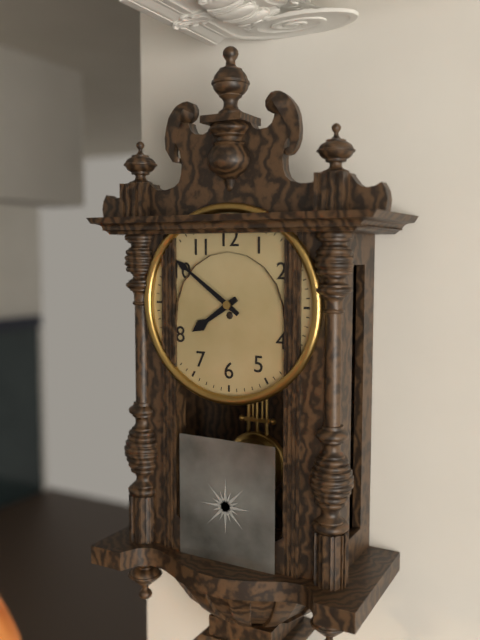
7h51
